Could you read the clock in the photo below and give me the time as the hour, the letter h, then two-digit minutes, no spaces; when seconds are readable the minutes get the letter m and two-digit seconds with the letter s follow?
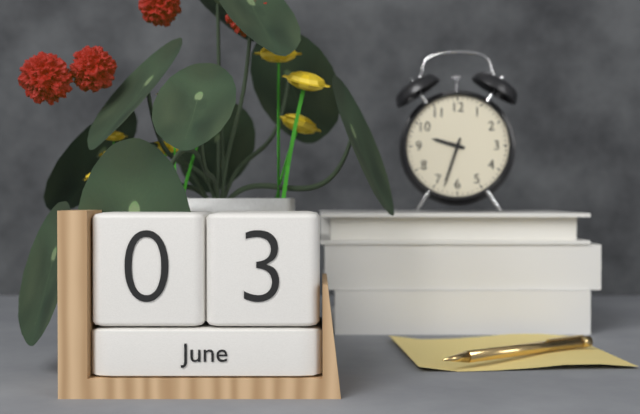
9h33
